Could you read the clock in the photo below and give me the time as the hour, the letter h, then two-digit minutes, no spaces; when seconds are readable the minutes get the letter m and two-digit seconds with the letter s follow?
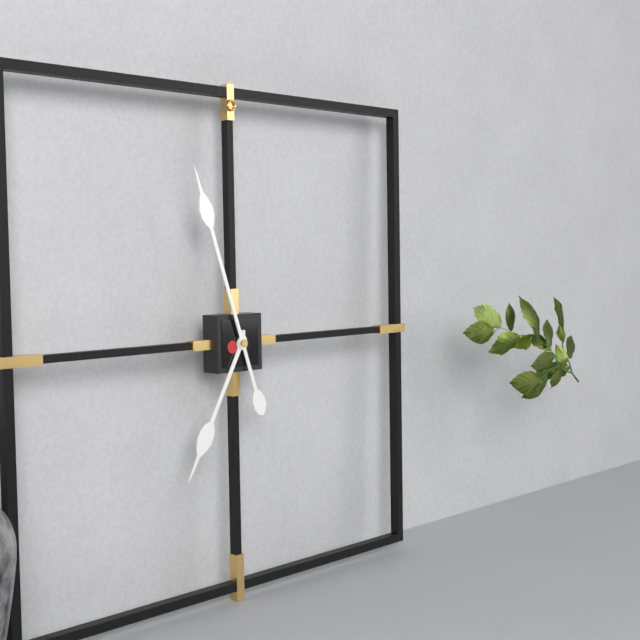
6h57
